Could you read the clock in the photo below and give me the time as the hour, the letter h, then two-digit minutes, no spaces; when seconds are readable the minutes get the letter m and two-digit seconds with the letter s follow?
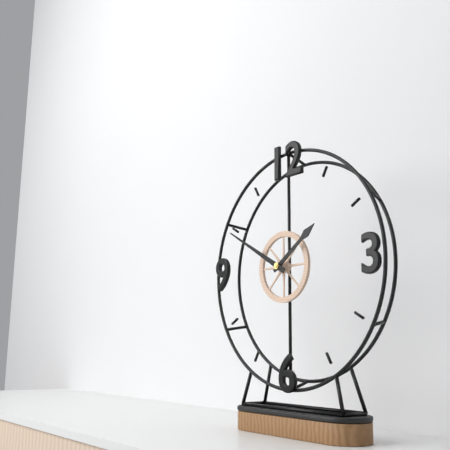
1h50
